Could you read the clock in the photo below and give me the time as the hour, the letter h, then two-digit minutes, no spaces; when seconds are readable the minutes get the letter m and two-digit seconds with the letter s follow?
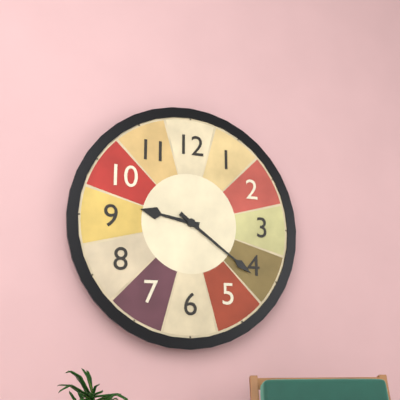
9h21
